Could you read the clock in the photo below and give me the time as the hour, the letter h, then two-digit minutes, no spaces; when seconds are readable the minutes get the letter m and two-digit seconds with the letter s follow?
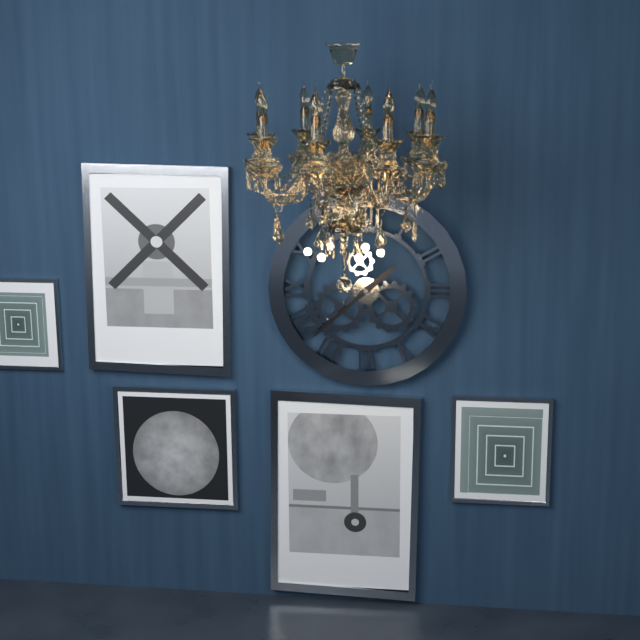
1h38
